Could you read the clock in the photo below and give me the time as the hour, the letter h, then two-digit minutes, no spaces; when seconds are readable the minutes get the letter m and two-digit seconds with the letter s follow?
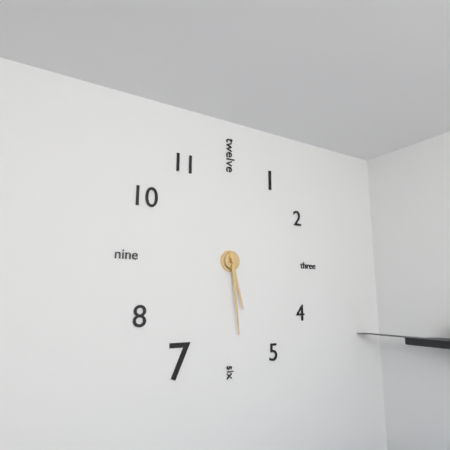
5h29
